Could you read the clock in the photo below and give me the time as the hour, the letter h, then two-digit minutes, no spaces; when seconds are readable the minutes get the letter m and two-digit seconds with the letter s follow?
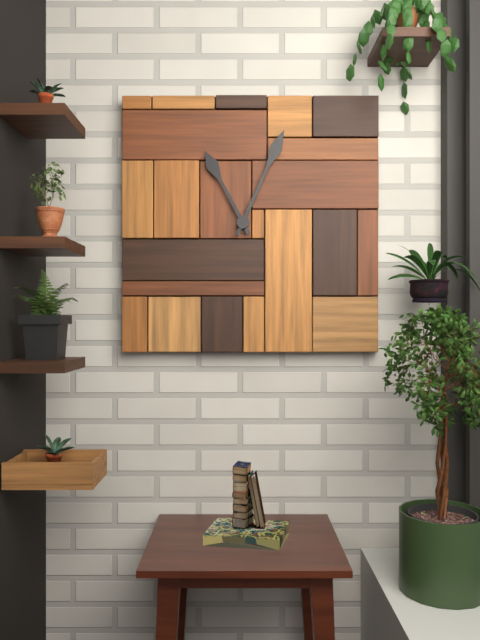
11h04
